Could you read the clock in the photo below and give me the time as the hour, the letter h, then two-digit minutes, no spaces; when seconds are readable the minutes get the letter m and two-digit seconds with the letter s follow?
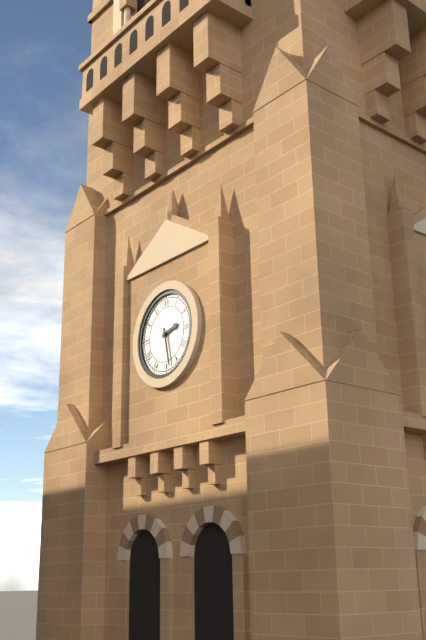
2h28
